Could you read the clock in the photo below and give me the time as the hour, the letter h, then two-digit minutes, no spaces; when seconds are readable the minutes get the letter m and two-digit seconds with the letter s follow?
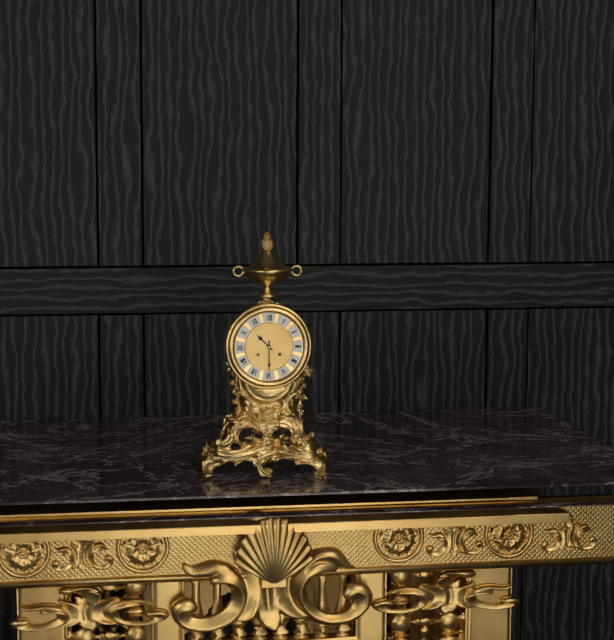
10h30
